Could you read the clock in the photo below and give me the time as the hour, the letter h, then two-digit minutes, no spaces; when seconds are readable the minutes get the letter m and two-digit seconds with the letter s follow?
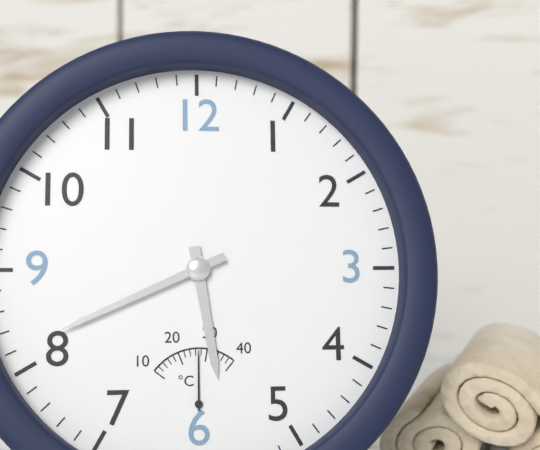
5h41
